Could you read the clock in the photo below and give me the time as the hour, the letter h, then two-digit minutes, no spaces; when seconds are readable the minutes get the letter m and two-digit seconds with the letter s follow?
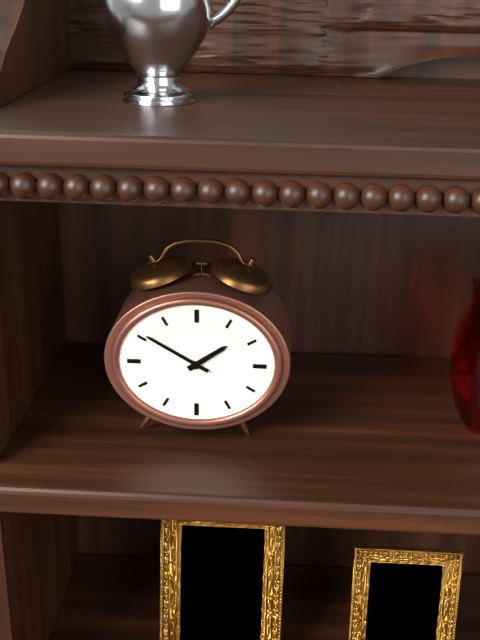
1h50
